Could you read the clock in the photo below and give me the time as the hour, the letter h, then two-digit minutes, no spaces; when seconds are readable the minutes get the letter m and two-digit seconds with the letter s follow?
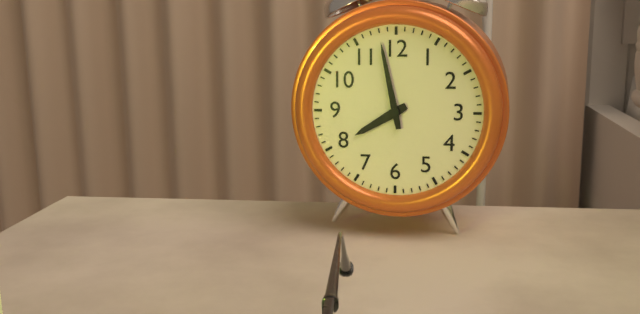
7h58
